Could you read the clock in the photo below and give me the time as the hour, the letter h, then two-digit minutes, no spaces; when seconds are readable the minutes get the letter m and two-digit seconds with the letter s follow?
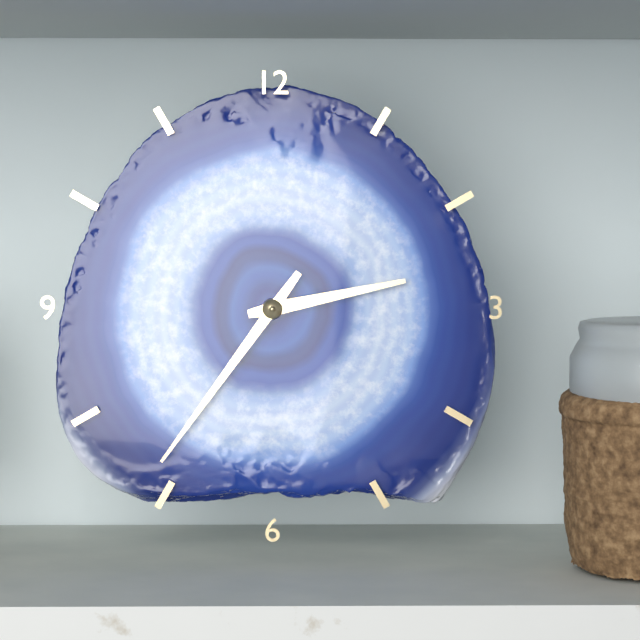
2h36
